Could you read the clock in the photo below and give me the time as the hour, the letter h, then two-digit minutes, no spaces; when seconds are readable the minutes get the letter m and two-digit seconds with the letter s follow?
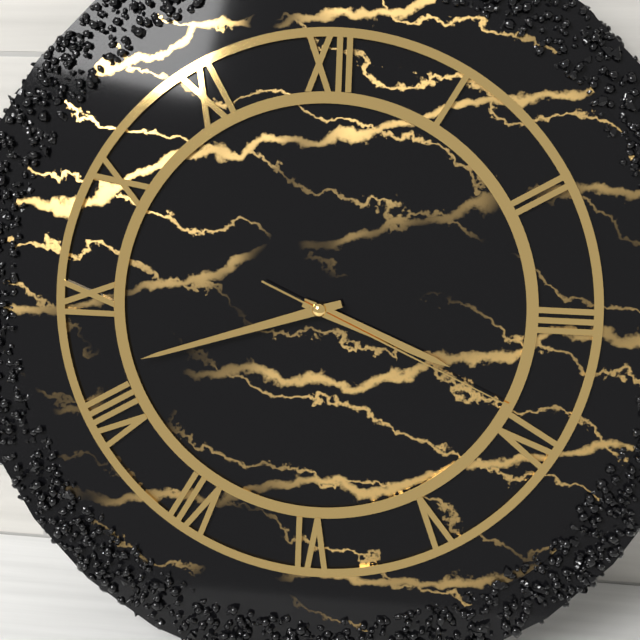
3h42m19s
